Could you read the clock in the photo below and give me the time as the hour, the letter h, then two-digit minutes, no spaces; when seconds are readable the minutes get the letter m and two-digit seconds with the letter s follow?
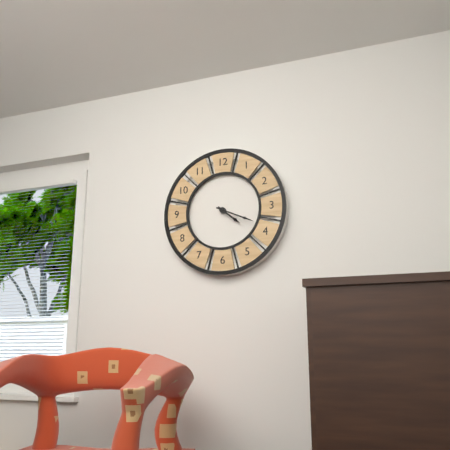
4h19
